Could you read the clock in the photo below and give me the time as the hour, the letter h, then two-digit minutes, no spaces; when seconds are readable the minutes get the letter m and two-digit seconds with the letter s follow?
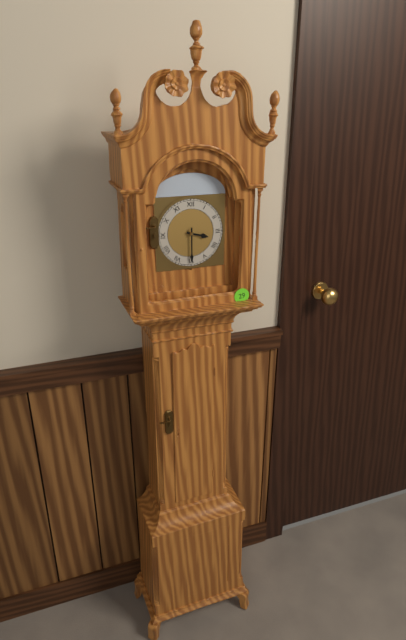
3h30
